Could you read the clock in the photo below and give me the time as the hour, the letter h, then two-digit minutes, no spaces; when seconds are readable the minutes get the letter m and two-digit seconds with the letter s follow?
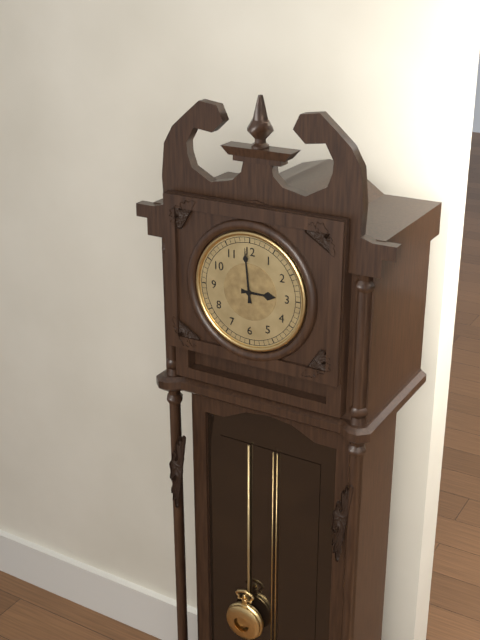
2h59
